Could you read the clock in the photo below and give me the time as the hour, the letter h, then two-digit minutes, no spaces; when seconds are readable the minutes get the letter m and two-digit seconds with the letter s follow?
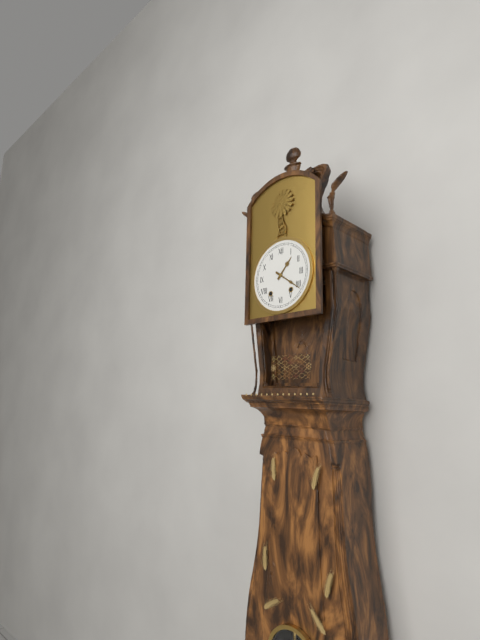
1h21
